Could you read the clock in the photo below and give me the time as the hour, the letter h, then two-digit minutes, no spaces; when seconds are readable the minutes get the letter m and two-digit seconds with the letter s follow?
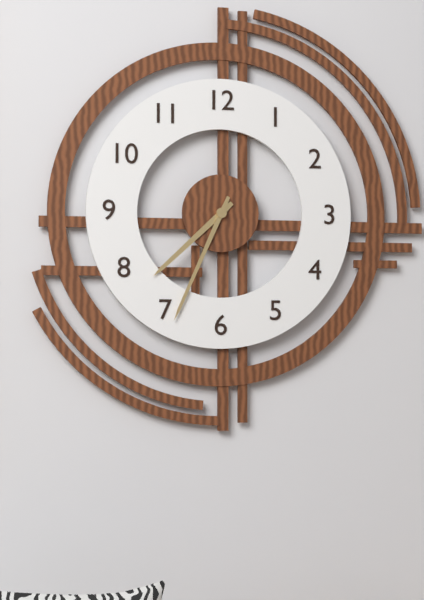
7h34
